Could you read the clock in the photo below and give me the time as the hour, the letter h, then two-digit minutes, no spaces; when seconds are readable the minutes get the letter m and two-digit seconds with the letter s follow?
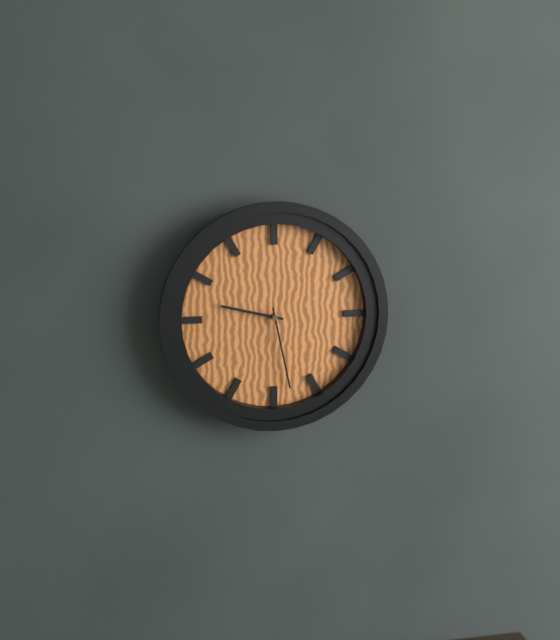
9h28
